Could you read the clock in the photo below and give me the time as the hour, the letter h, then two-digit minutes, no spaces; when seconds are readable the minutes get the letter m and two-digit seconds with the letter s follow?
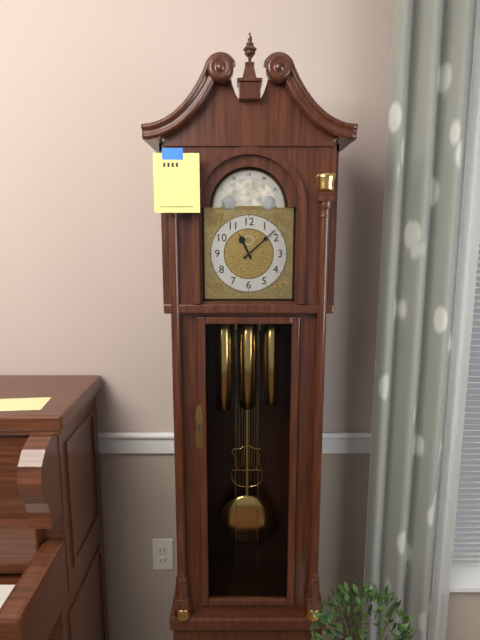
11h08
